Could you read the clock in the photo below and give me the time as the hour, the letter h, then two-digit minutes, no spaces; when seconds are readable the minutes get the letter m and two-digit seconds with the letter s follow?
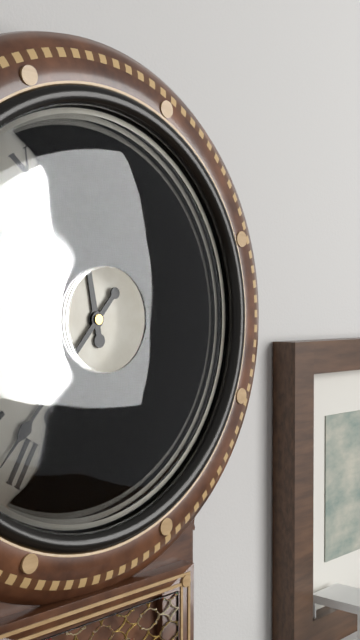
11h37
